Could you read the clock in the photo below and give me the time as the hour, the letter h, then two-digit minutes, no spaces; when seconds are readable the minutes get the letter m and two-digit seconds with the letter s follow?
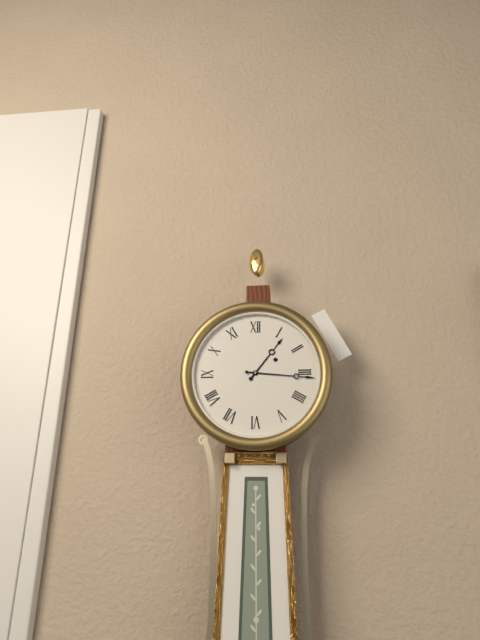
1h16
